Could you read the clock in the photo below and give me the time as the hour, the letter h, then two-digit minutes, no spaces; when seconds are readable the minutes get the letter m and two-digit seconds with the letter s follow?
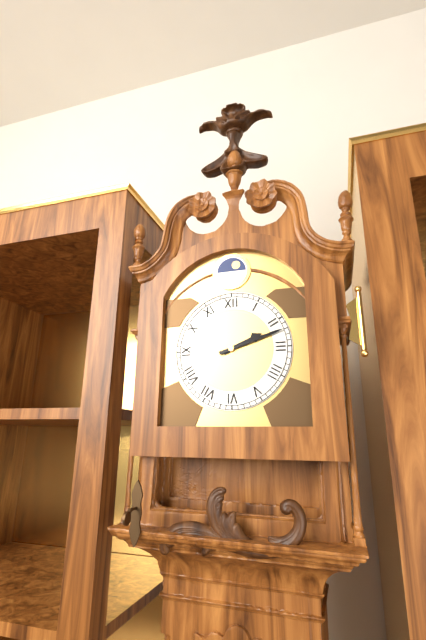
2h12
